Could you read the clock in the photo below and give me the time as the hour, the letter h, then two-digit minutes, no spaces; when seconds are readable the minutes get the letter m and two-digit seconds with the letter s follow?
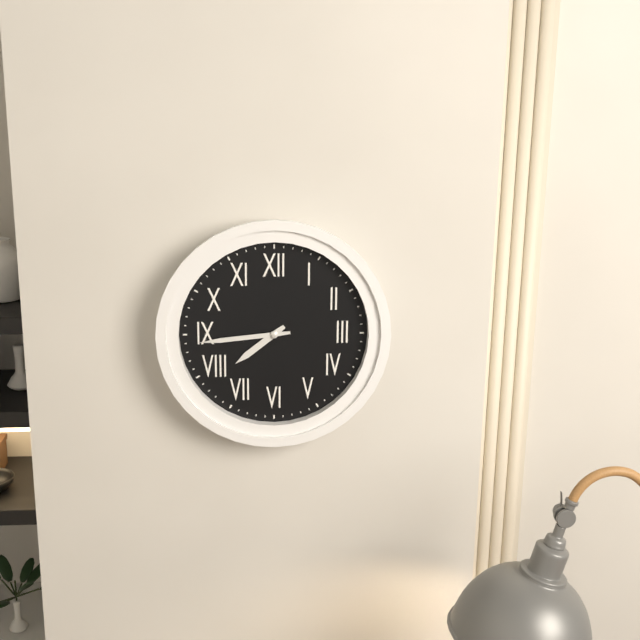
7h44
